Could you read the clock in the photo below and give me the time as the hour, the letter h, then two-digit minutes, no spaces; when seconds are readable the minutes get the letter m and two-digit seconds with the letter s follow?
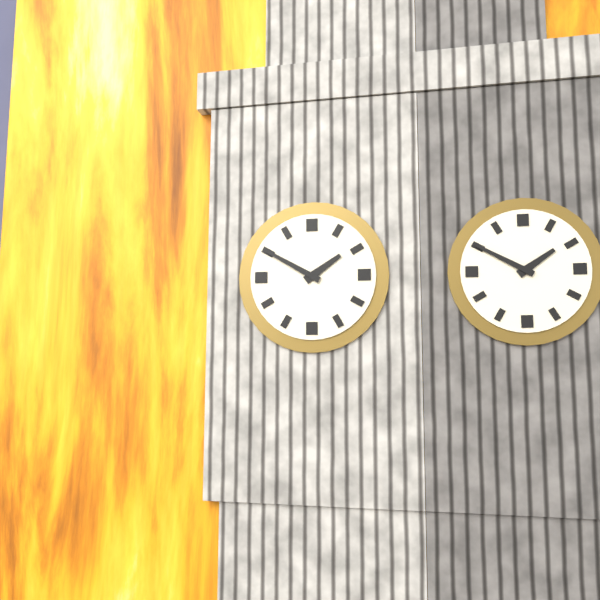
1h50
